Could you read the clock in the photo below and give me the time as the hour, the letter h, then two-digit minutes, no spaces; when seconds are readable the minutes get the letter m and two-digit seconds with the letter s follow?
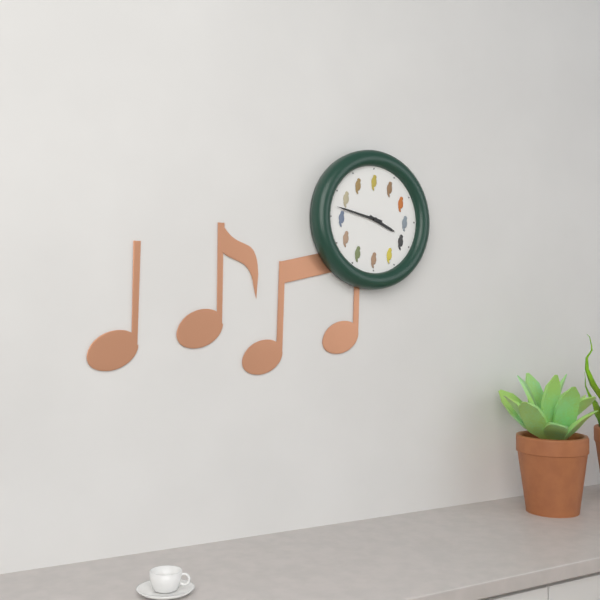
3h47
